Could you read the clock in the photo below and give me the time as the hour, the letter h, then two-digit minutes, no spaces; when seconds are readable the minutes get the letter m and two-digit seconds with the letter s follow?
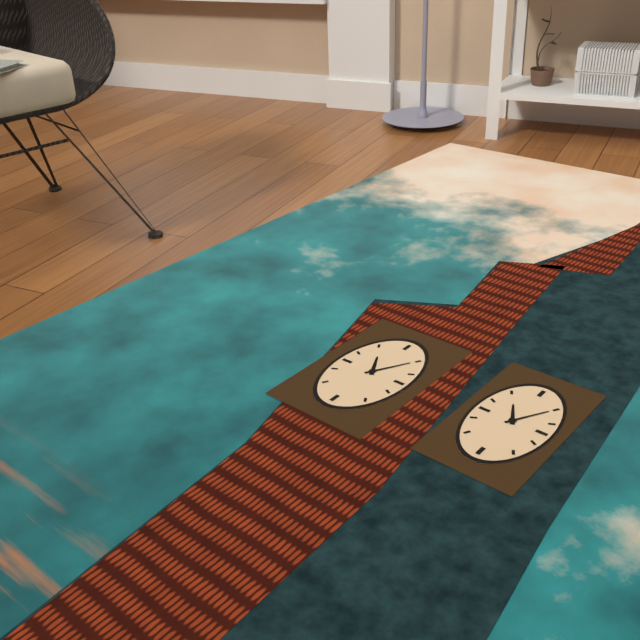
11h05
